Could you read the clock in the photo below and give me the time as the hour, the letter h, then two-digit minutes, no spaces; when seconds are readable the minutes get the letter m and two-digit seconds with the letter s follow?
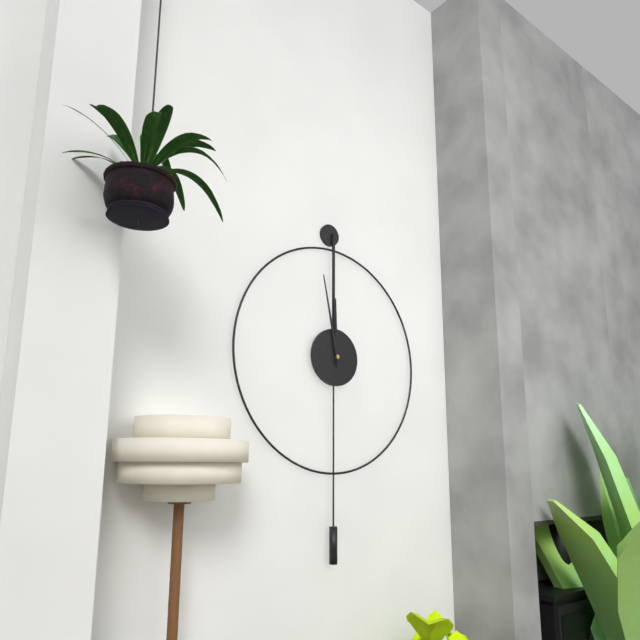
11h58
